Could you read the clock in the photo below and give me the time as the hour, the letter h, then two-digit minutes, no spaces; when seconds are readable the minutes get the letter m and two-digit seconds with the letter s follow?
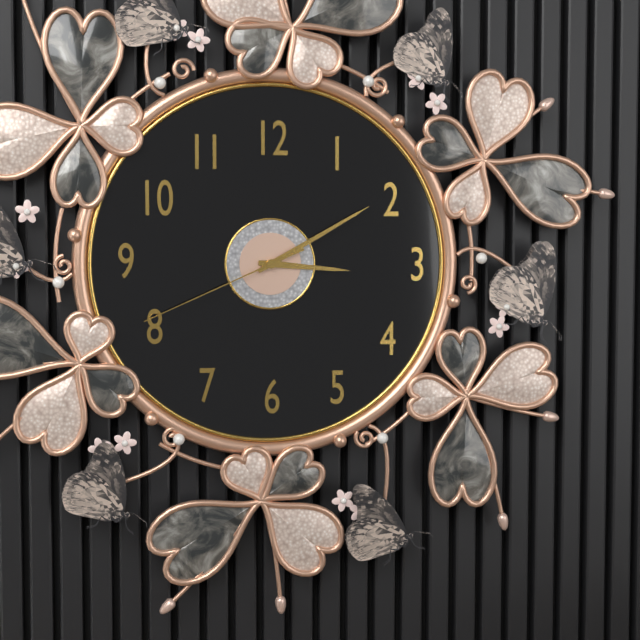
3h10m41s
